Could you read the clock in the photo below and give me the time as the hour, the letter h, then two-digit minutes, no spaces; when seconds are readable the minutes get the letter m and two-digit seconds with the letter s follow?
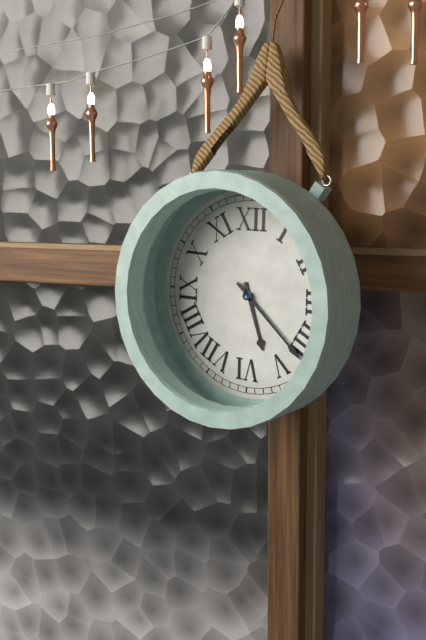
5h22
